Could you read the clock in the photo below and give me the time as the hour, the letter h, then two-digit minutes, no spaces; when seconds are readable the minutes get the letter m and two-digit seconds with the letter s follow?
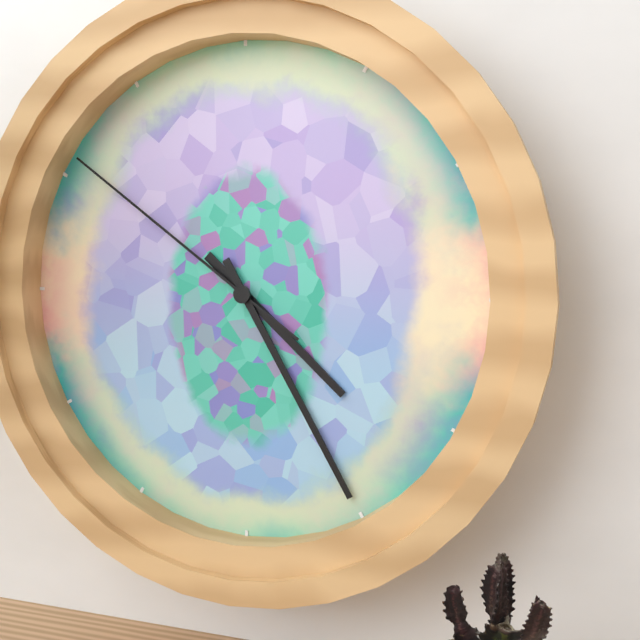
4h25m51s
